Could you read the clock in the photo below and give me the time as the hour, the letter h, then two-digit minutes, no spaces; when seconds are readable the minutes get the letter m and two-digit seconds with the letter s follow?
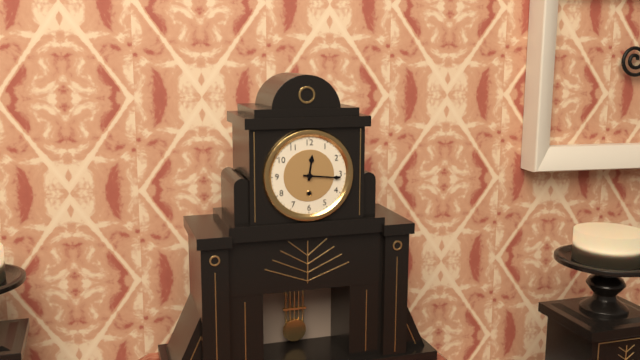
12h16
